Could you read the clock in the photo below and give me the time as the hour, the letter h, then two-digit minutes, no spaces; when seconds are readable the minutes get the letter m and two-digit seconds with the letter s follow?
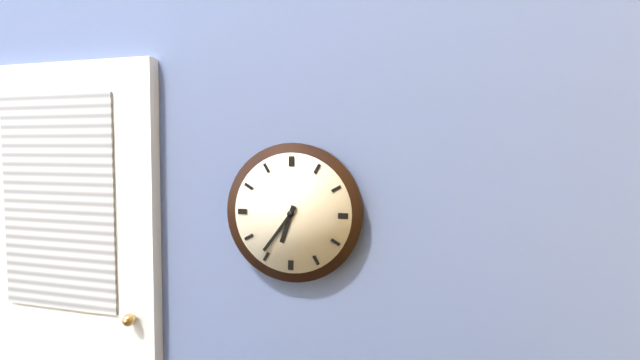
6h36
